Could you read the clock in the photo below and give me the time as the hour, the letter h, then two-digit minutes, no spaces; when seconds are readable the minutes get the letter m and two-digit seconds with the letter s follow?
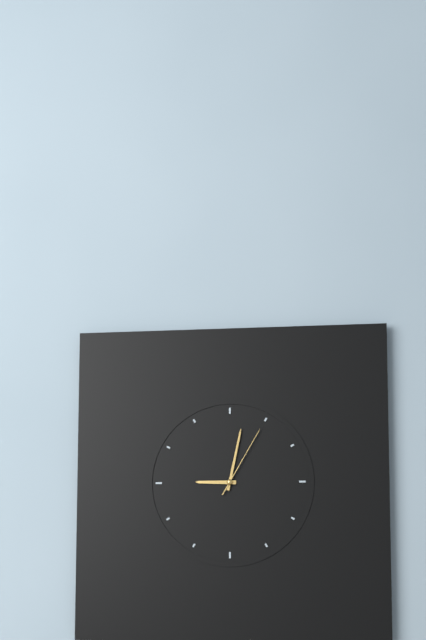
9h02m05s
